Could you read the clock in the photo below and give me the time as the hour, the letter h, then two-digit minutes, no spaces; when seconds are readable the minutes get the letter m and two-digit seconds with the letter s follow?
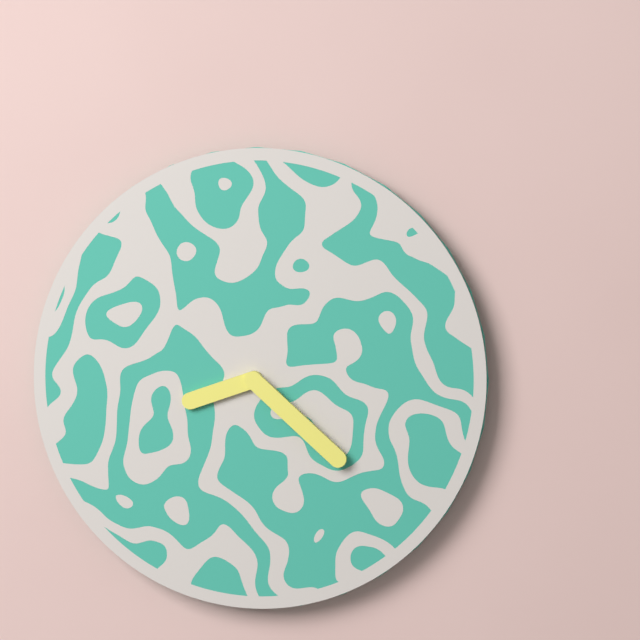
8h22
